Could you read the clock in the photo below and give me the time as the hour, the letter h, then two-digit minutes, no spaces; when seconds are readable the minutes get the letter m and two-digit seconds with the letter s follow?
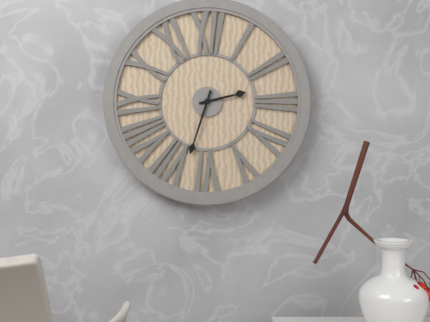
2h33
